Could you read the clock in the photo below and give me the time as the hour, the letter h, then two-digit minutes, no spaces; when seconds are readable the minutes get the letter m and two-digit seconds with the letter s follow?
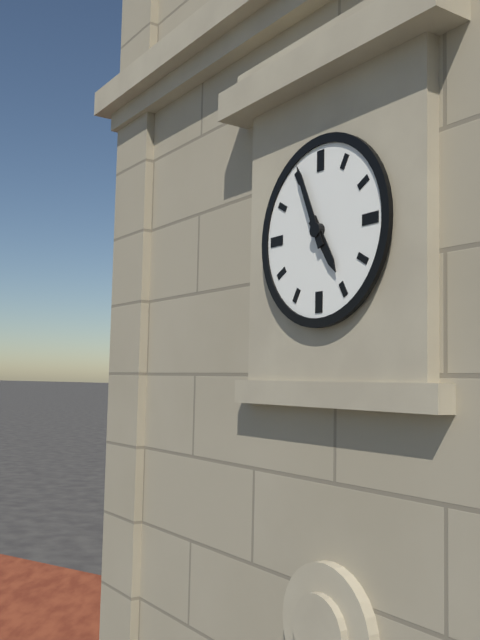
4h56
